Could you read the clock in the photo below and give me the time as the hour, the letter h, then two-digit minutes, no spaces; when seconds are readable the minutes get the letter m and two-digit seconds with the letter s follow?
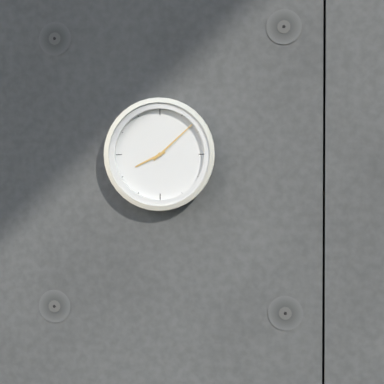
8h08
